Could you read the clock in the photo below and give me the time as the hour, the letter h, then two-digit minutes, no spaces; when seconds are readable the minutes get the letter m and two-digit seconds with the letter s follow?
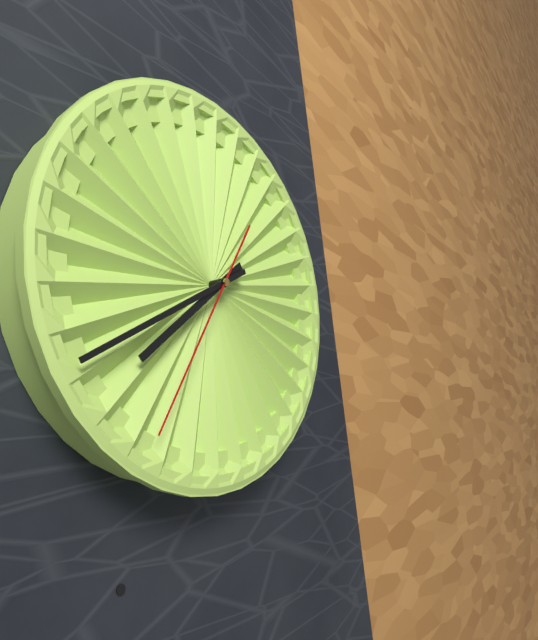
7h40m35s
